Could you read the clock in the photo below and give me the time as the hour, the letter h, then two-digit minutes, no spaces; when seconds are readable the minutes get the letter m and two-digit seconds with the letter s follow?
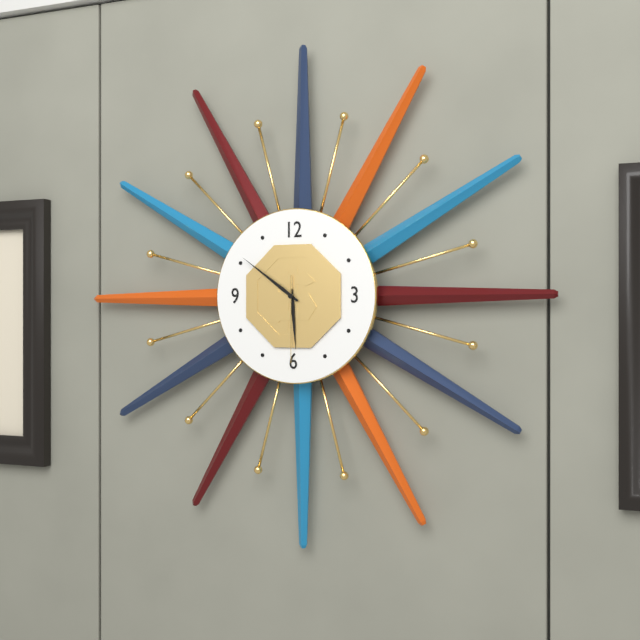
5h51m30s
